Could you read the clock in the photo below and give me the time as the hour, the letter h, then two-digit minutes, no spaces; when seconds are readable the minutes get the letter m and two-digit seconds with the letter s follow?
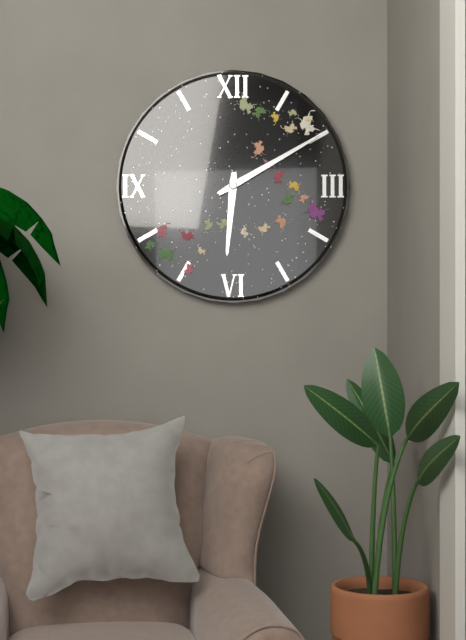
6h10
